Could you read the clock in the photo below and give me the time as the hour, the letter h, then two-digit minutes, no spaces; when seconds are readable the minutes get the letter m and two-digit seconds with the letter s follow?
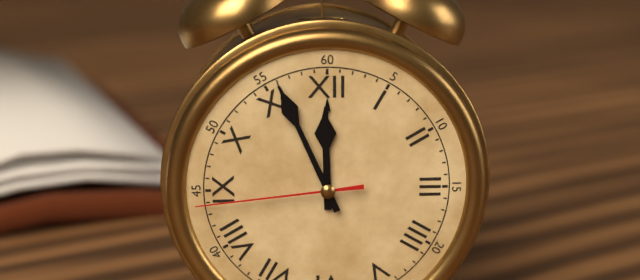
11h56m44s
